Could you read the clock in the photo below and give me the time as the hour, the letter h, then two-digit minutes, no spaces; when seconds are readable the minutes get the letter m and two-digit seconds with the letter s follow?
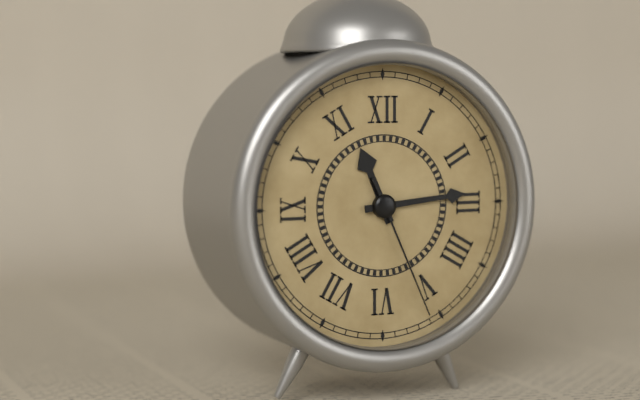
11h14m26s
